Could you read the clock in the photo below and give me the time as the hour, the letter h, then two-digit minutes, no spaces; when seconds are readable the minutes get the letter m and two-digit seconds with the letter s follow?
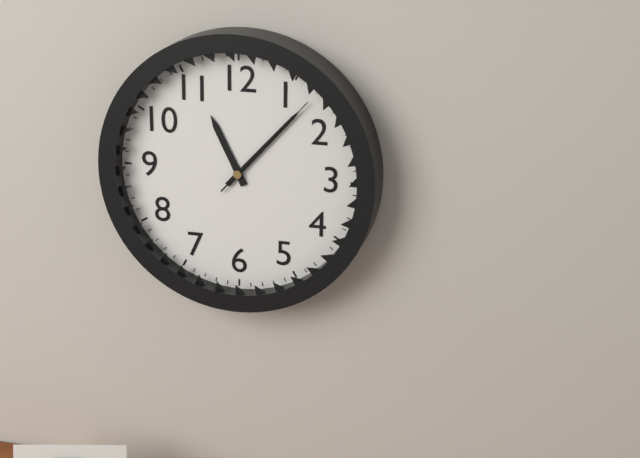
11h07m07s
